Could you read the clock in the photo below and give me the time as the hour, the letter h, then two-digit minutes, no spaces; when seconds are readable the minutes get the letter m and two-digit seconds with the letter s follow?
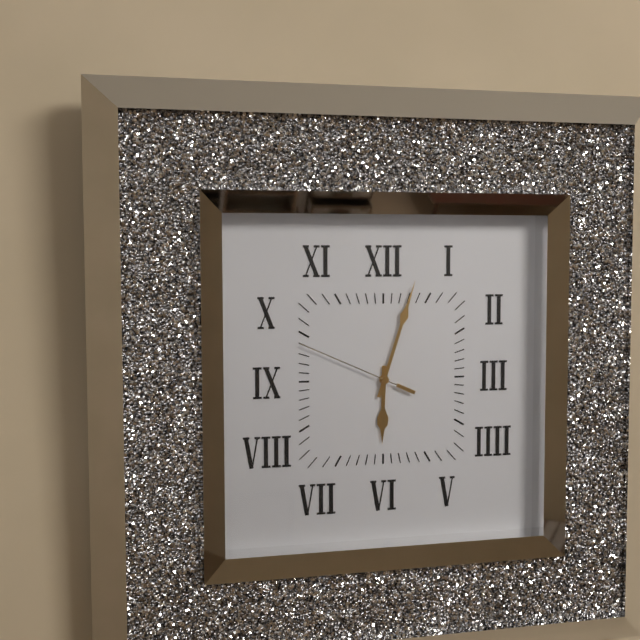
6h03m49s
